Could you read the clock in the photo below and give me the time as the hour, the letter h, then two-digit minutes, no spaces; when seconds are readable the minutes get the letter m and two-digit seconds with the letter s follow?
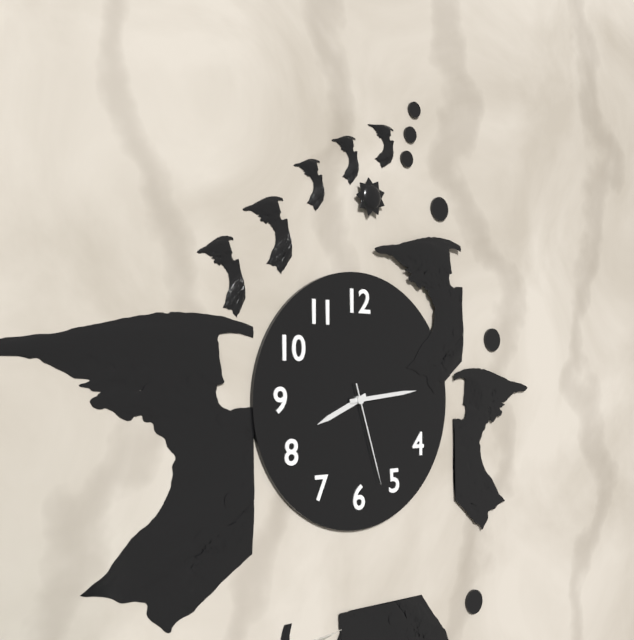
8h14m27s
